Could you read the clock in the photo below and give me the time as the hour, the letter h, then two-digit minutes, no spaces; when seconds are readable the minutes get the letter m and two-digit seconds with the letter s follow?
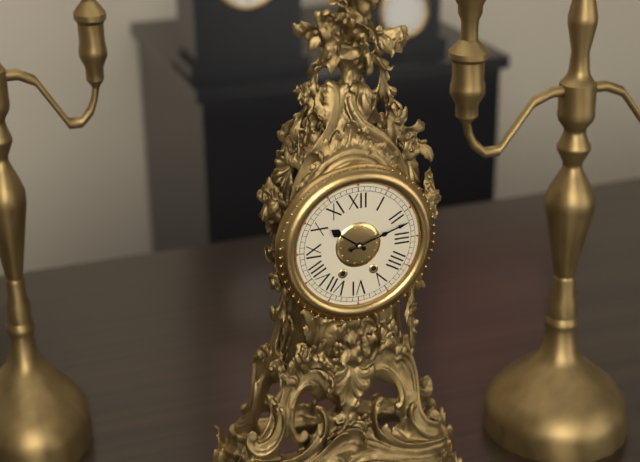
10h12
